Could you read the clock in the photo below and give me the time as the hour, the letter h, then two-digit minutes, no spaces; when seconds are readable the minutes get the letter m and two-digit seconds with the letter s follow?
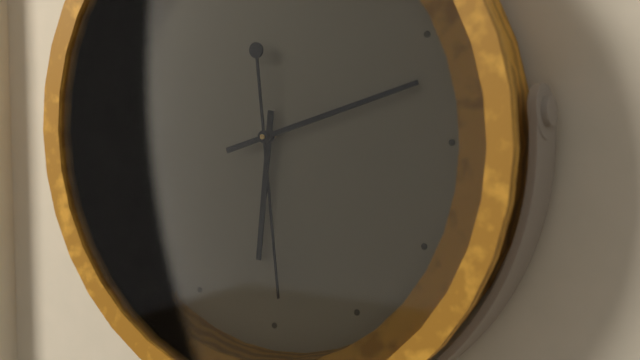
6h12m29s
